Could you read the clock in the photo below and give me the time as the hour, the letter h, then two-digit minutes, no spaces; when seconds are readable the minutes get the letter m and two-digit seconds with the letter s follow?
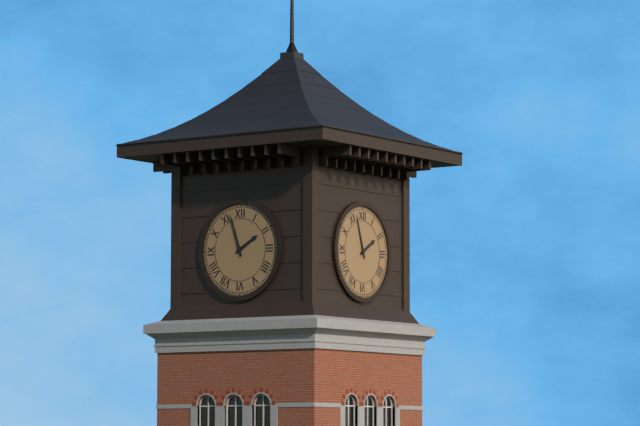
1h57
